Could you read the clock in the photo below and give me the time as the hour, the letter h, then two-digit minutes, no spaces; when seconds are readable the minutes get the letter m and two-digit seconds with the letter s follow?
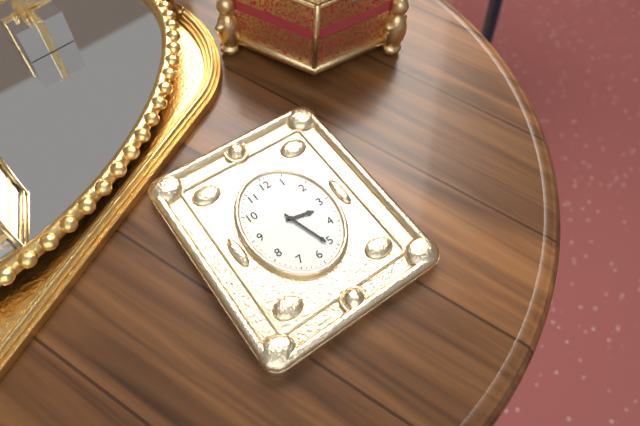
3h27
